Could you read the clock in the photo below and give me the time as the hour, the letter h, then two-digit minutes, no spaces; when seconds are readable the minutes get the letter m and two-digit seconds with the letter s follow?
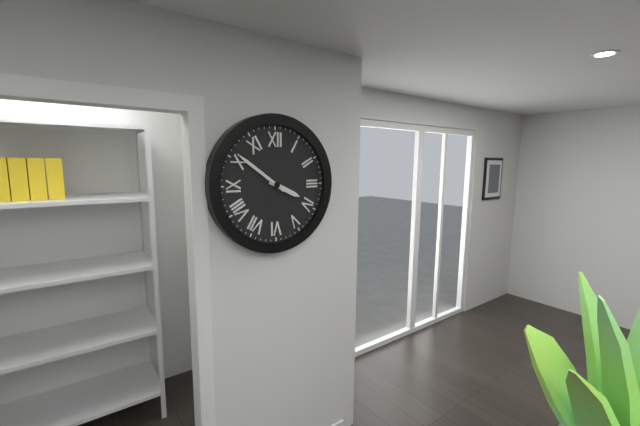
3h51
